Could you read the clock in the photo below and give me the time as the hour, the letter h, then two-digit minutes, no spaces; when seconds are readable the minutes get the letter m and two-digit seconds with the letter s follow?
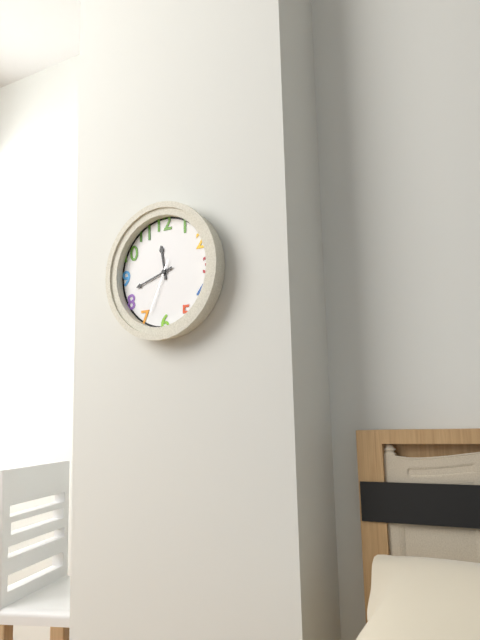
11h42m34s
